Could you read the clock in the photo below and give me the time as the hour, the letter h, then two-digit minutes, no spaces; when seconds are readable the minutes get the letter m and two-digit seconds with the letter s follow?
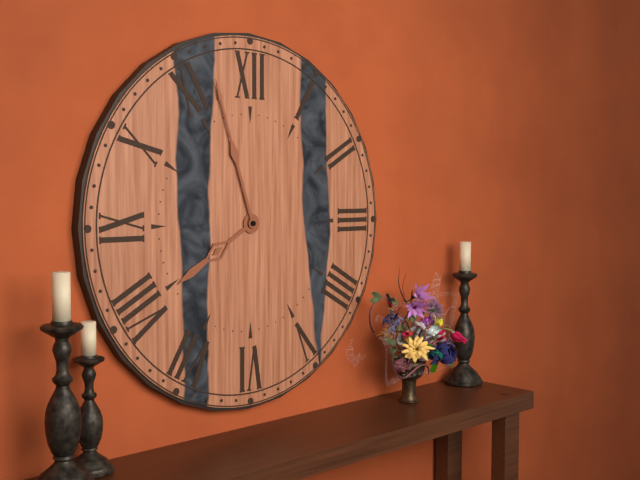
7h57
